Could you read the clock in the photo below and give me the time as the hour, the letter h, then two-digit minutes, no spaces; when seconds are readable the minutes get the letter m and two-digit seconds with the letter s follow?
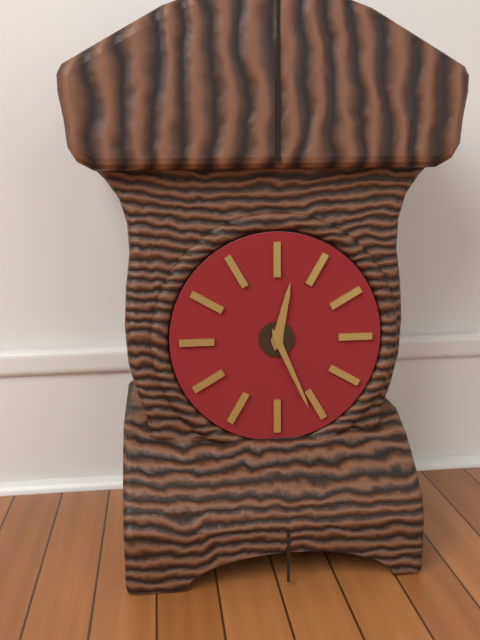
12h26
